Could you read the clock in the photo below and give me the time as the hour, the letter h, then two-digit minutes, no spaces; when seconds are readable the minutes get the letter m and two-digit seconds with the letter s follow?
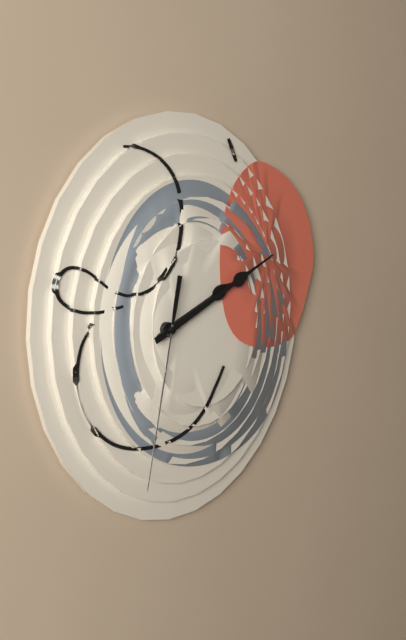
2h11m32s
